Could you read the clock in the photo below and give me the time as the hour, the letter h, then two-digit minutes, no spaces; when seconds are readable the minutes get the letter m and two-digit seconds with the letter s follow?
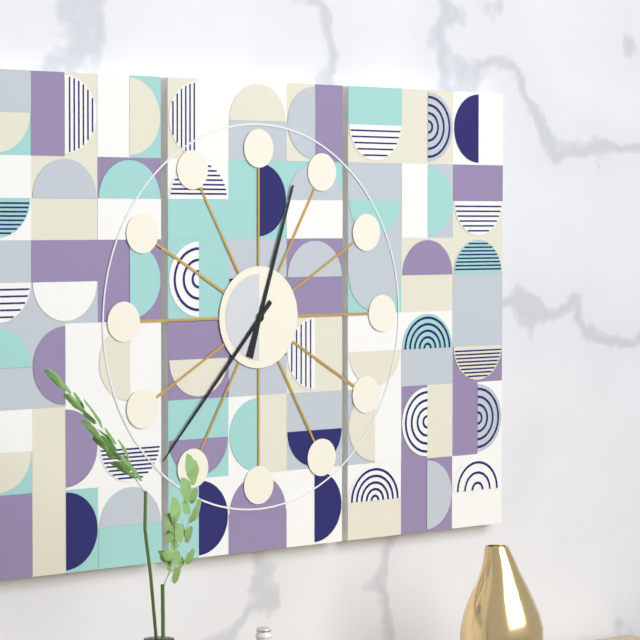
12h37
